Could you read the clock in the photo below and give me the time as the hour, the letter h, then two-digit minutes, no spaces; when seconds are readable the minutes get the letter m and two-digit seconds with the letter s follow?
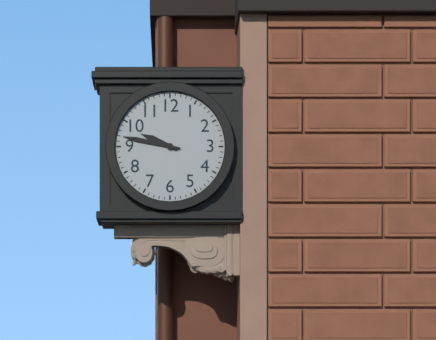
9h47
